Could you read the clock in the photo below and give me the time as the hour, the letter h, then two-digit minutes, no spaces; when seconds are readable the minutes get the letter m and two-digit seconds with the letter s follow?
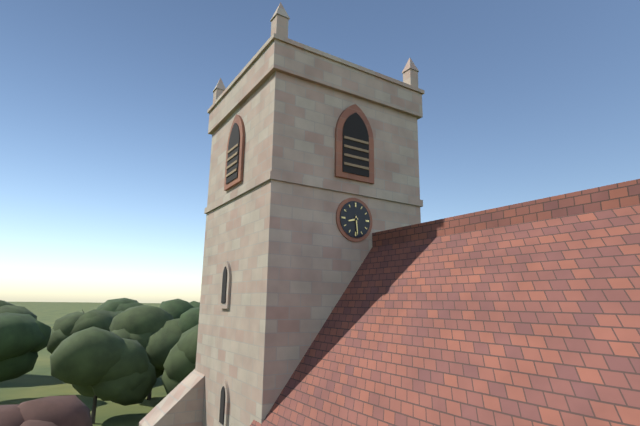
8h29
